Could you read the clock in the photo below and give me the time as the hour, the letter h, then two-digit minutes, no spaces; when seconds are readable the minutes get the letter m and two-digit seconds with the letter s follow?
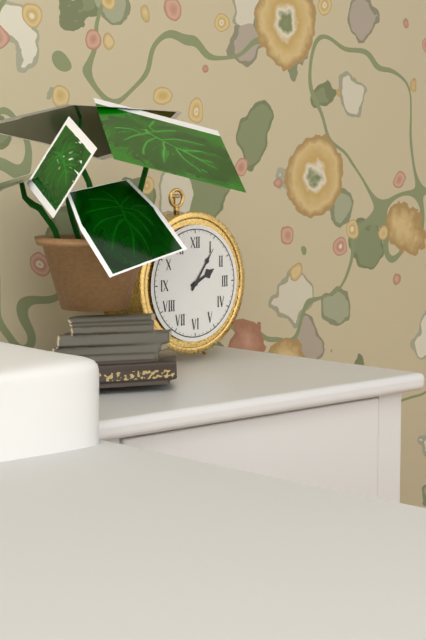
2h06
